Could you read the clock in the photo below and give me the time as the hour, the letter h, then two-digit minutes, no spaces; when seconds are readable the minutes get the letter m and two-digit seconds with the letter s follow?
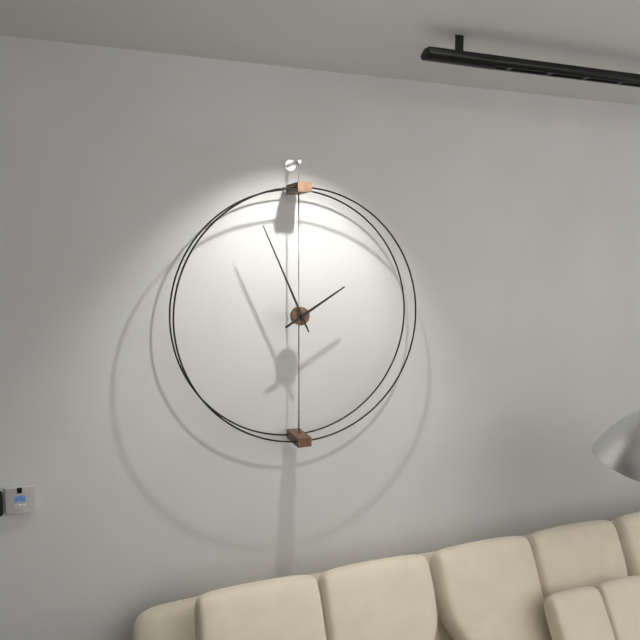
1h56
